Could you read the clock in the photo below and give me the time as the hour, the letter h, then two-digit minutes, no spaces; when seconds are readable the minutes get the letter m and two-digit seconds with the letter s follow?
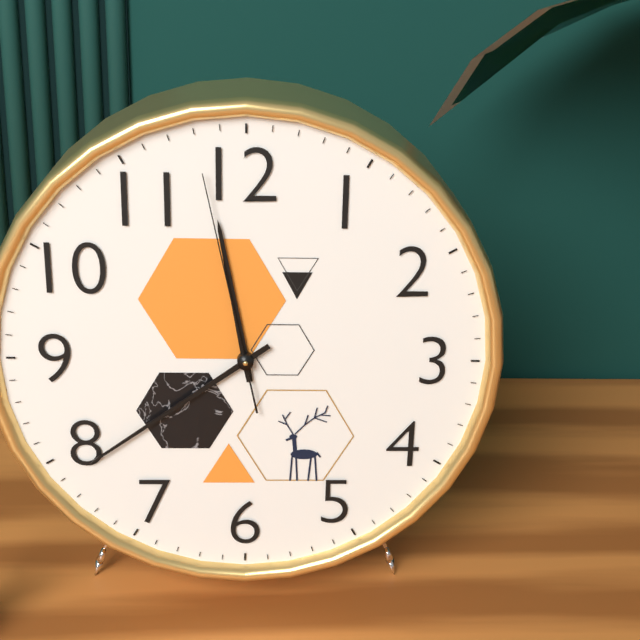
11h39m58s
